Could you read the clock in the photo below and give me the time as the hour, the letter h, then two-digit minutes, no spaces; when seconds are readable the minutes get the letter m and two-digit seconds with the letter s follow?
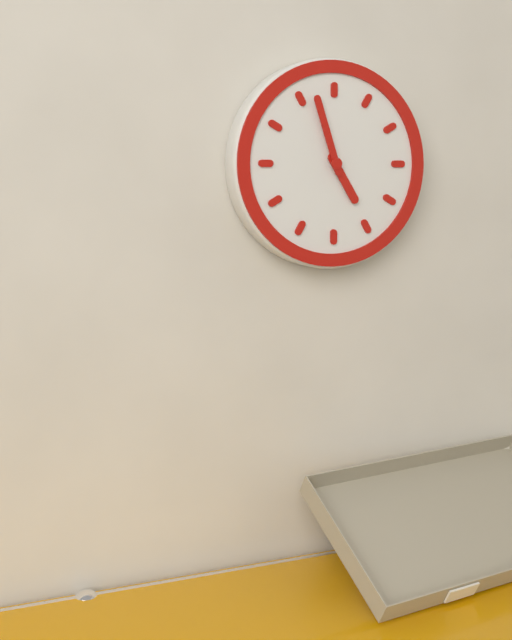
4h57
